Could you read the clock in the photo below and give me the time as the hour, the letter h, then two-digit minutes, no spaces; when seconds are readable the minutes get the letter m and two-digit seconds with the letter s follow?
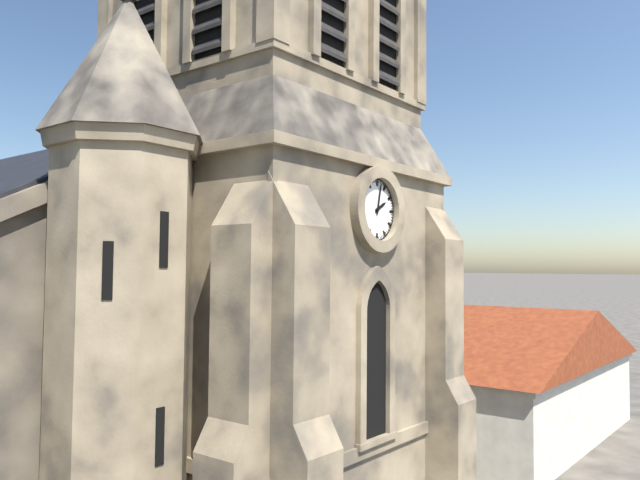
2h02
